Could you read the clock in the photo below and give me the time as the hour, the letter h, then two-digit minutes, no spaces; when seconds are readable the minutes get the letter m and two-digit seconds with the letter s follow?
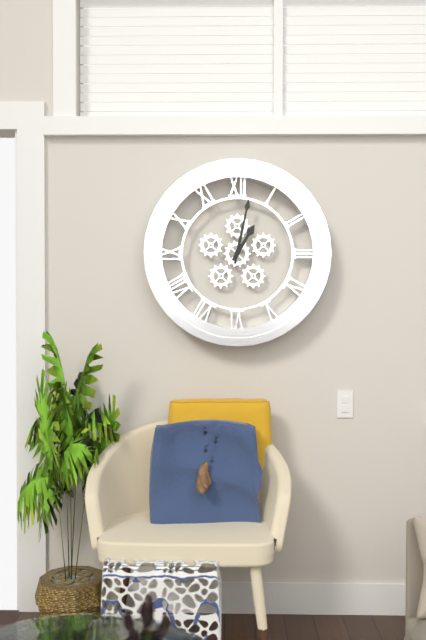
1h02
